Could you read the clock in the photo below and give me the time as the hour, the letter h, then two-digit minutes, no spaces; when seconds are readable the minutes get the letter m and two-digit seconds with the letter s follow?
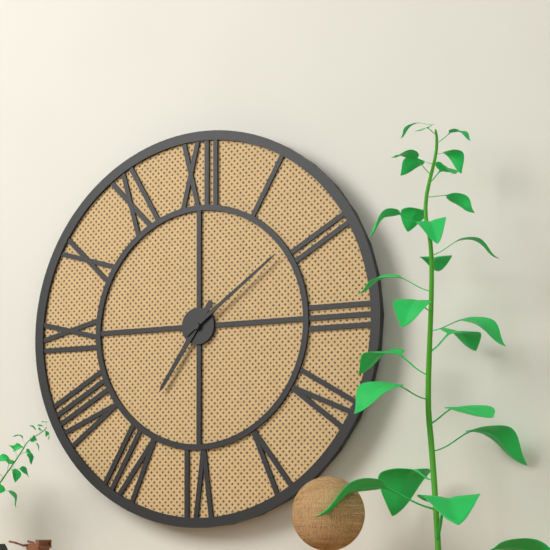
7h09
